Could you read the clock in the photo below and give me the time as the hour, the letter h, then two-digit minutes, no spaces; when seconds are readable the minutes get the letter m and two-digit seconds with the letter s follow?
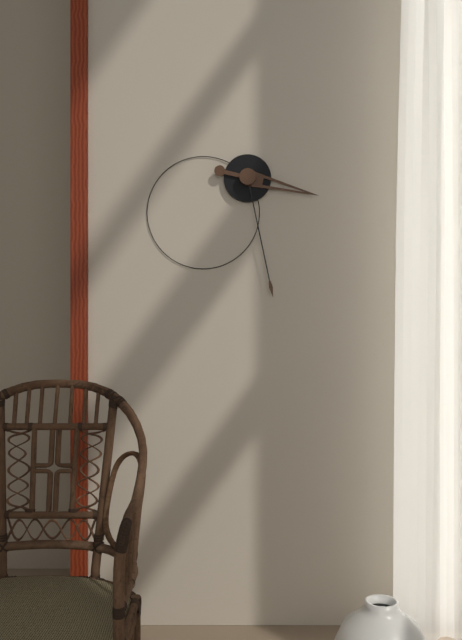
3h28
